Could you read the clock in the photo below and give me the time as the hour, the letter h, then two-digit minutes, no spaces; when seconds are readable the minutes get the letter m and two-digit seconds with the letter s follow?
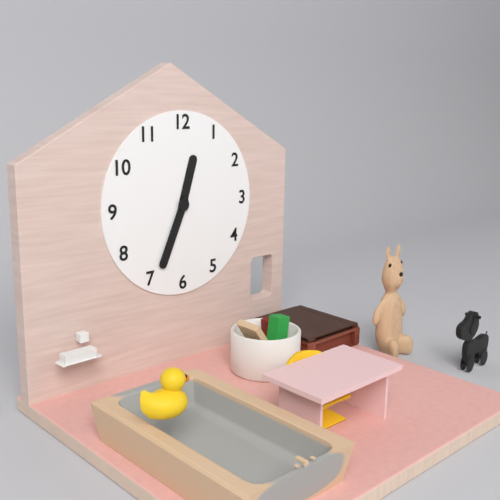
12h34
